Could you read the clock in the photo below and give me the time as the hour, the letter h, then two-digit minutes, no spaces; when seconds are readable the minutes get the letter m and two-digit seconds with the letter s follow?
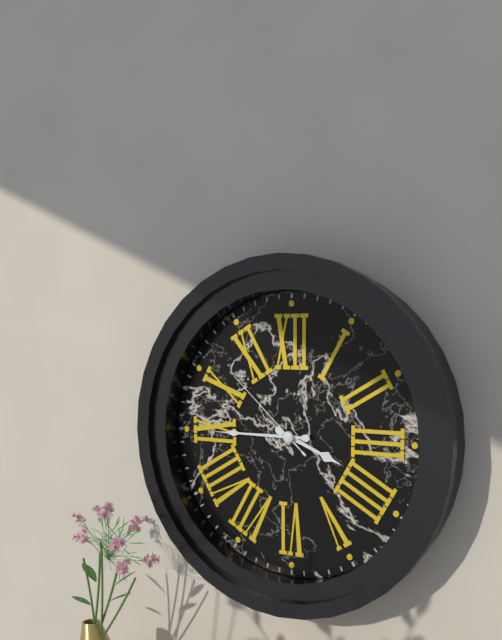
3h45m52s
